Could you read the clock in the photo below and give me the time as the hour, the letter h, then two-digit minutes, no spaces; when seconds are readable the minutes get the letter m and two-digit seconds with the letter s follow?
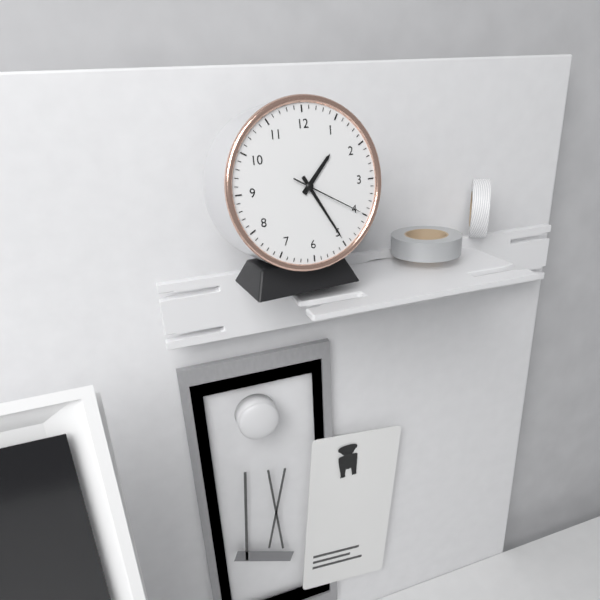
1h25m20s
